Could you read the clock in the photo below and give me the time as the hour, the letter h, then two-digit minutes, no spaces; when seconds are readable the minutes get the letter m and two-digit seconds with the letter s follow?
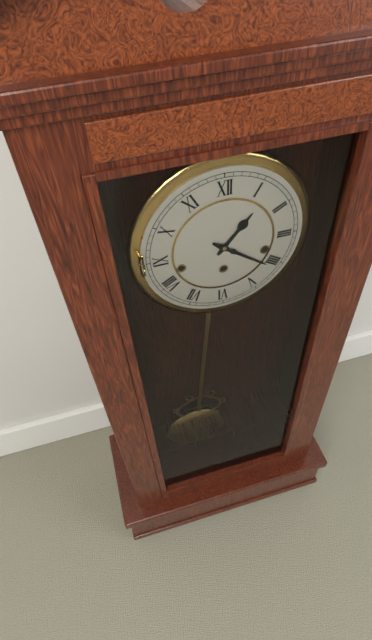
1h21
